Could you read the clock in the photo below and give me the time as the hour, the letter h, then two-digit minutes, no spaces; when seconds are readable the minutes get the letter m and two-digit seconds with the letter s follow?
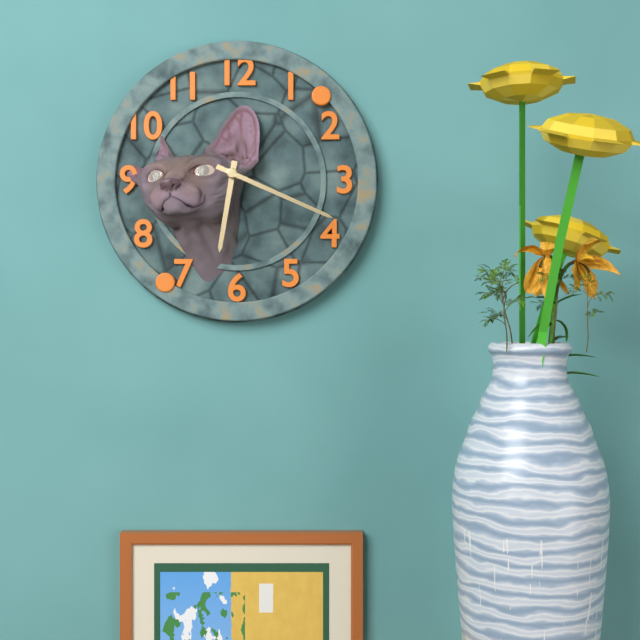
6h19
